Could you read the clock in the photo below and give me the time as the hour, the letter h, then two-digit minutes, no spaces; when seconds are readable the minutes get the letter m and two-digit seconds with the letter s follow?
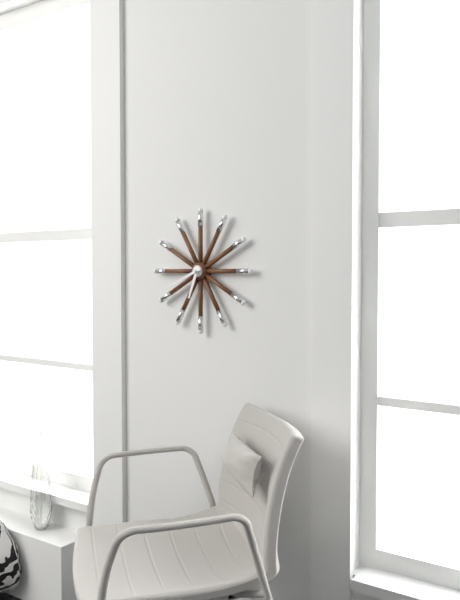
6h41
